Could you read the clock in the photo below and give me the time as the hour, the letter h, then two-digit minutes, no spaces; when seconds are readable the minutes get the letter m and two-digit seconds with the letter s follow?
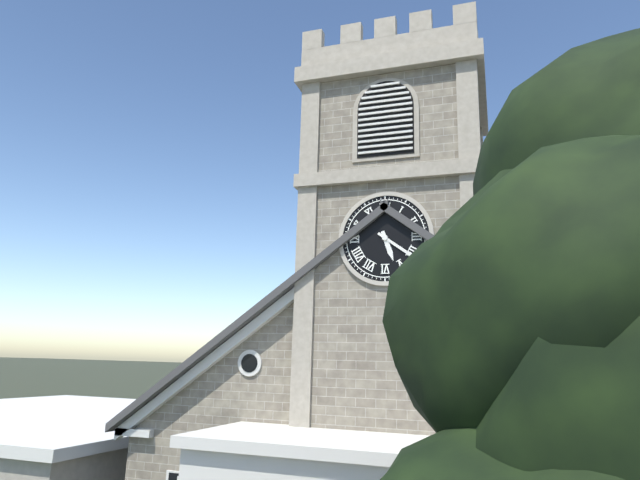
5h21
